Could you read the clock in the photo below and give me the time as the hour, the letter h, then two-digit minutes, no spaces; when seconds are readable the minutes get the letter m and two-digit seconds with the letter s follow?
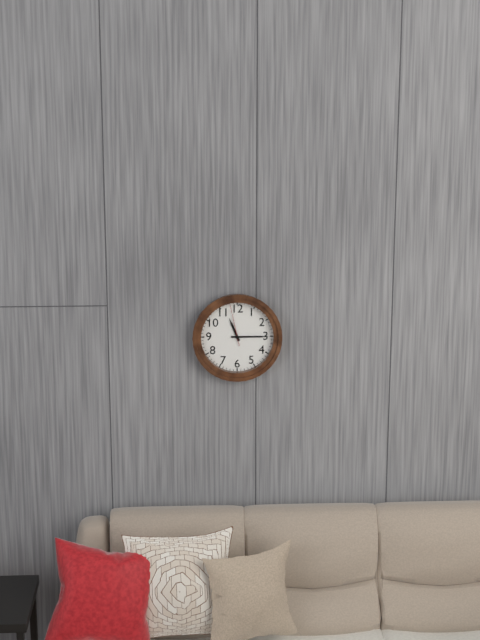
11h15
